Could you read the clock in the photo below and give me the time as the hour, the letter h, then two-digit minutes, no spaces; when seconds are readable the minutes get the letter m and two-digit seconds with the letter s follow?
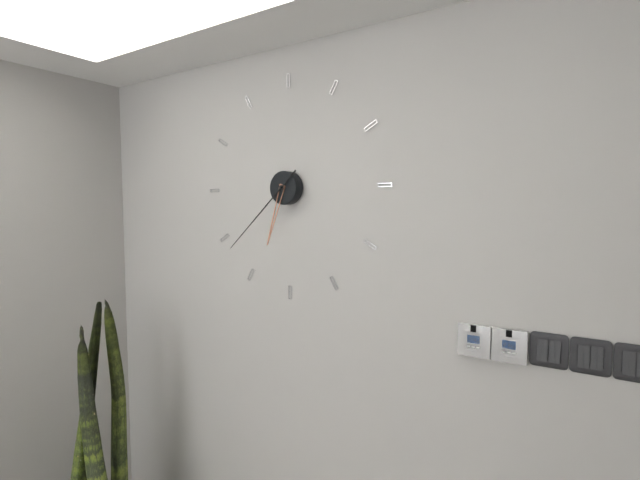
6h38
